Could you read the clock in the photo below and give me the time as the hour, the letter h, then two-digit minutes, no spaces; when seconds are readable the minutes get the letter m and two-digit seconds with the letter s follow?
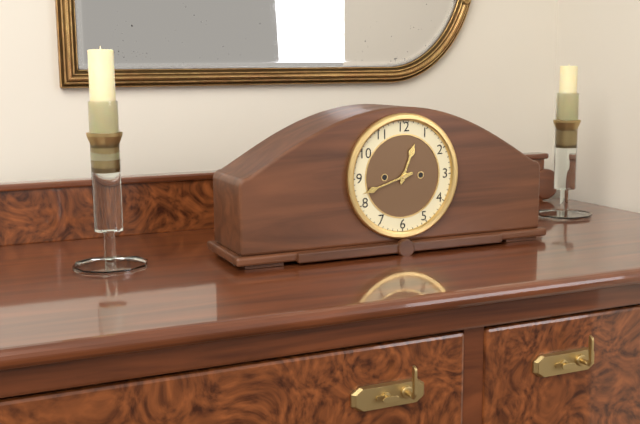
12h42
